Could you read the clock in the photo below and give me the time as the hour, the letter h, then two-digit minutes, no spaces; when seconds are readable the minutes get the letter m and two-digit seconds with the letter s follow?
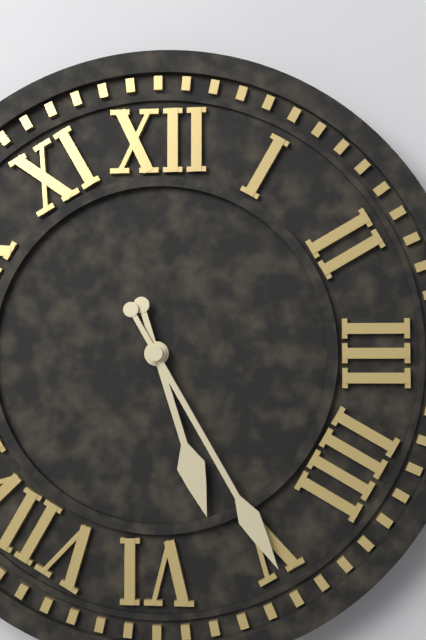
5h25
